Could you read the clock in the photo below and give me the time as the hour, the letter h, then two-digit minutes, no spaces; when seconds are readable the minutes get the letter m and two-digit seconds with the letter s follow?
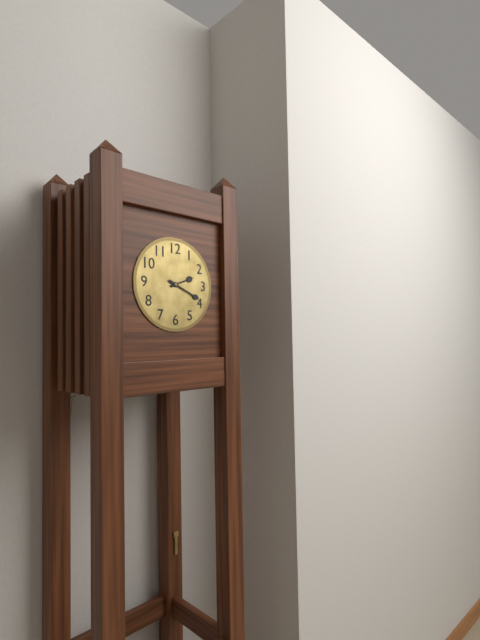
2h19
